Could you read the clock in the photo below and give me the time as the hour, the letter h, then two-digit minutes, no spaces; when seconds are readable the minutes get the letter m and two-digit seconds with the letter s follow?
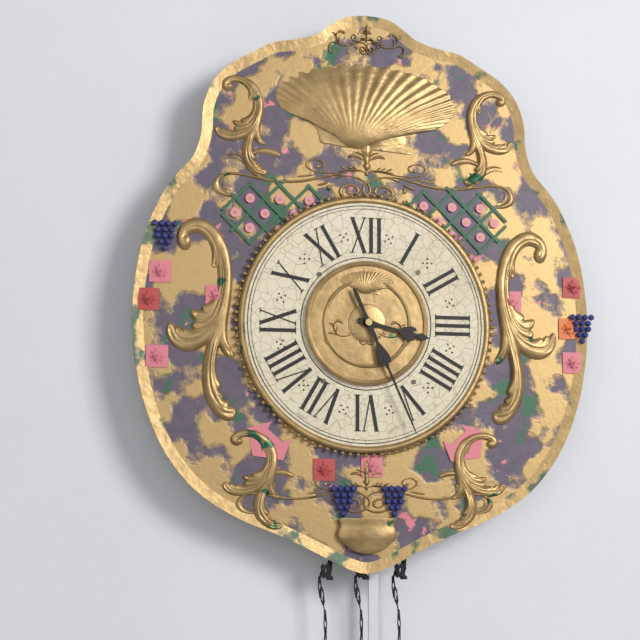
3h26
